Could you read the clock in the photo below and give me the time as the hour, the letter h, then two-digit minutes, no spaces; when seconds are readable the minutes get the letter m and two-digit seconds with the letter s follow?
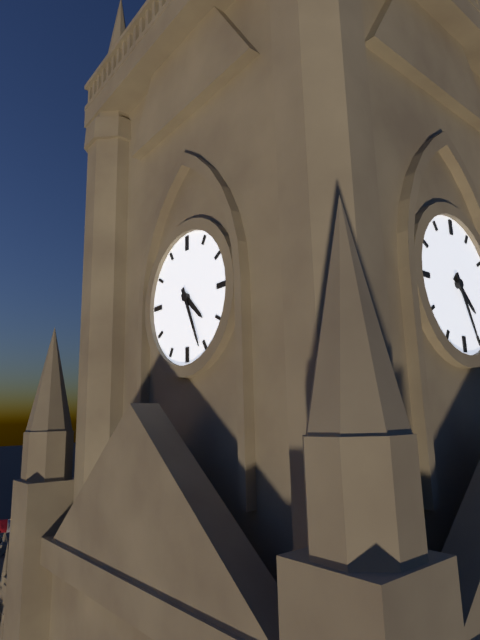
4h26
